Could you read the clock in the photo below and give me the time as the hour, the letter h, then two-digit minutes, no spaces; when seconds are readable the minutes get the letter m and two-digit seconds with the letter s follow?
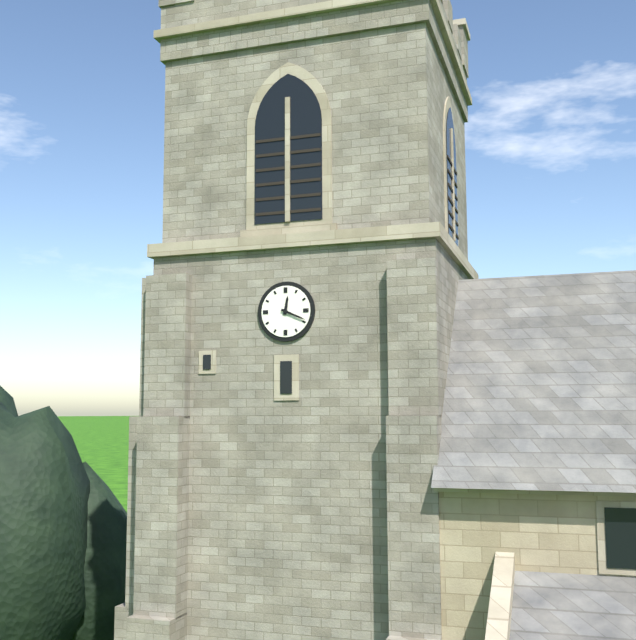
12h19
